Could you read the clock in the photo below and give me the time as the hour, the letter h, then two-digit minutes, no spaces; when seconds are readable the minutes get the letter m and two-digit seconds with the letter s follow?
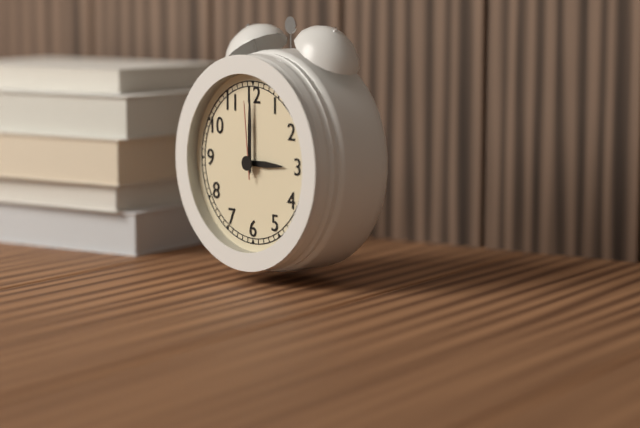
3h00m59s
